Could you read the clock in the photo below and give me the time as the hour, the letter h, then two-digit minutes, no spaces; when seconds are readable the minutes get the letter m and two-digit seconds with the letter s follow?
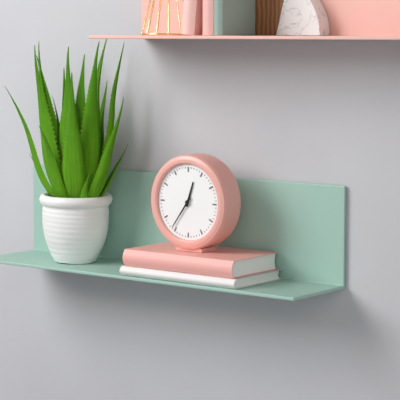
12h36
